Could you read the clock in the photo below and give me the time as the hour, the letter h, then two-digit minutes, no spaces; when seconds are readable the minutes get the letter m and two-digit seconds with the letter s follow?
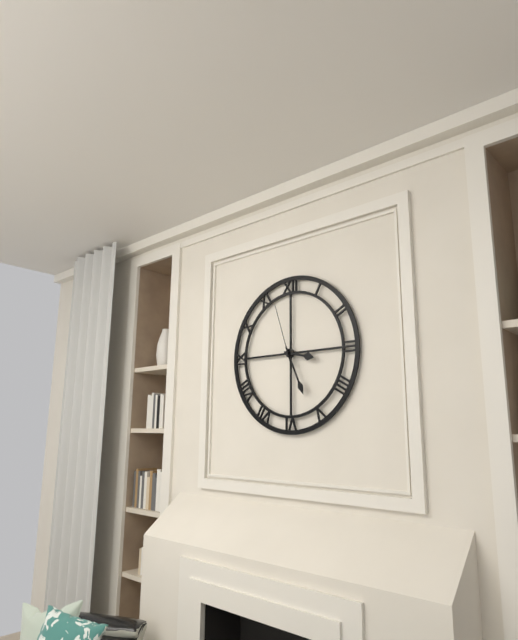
3h26m57s
